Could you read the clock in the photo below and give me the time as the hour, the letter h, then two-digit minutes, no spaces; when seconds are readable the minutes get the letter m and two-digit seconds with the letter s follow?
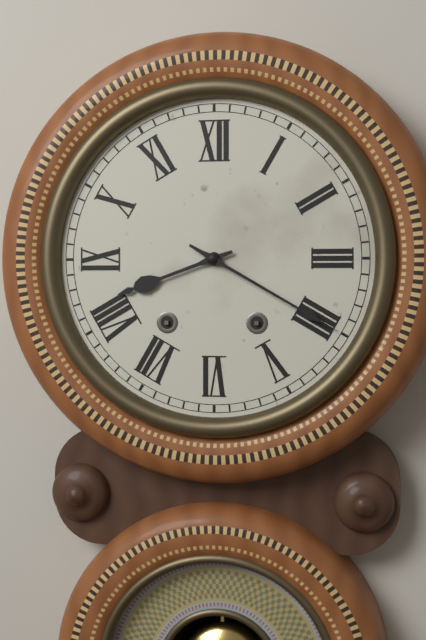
8h20
